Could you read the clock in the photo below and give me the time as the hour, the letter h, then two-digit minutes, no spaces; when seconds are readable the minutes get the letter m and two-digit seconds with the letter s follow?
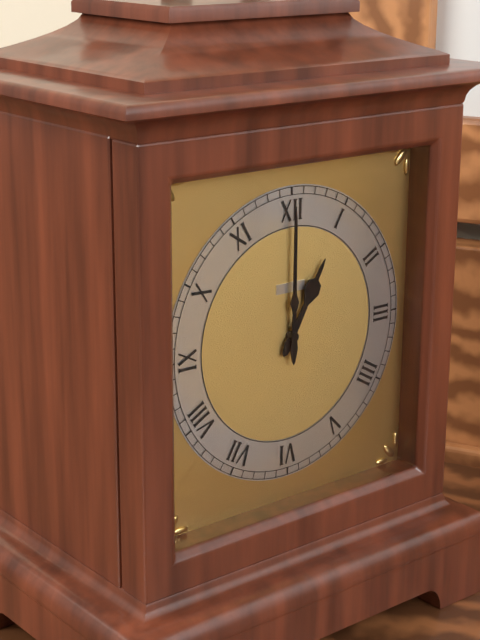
1h00
